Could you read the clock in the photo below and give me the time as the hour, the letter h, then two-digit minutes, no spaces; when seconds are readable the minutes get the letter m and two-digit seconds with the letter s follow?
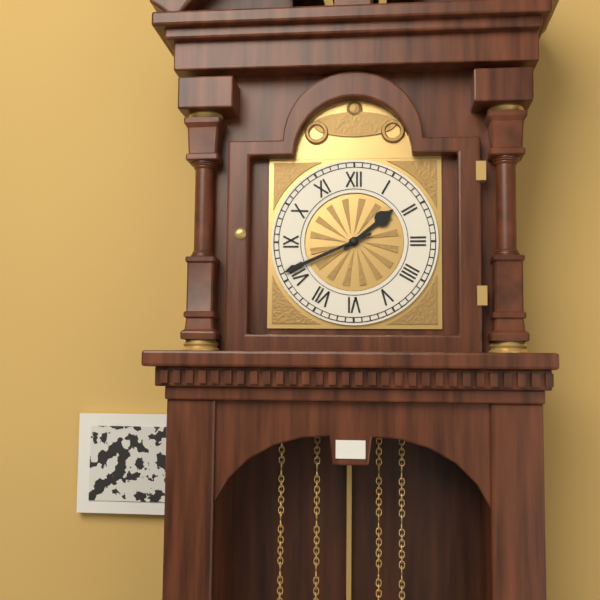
1h41
